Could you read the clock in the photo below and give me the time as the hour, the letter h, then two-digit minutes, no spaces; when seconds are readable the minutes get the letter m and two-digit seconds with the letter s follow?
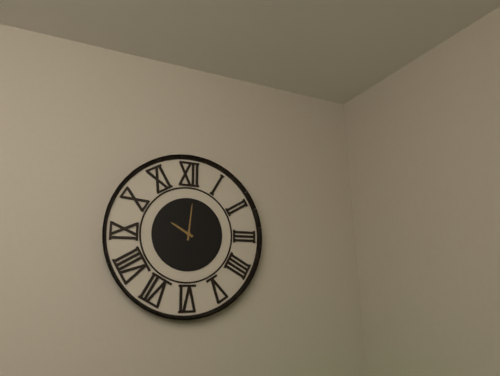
10h01
